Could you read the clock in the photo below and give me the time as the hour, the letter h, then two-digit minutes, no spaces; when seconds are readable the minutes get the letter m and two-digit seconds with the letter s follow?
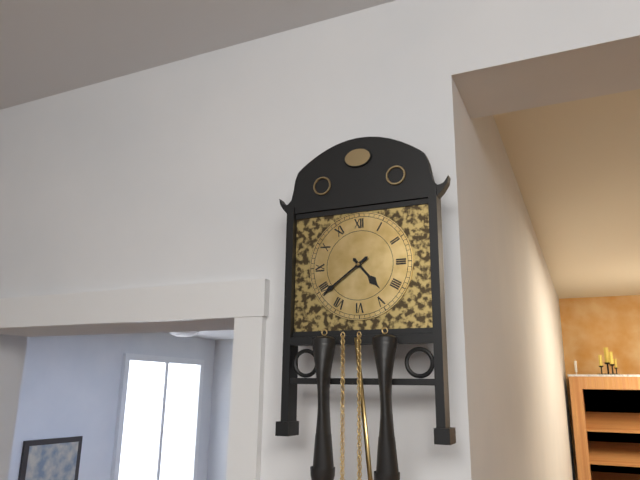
4h39
